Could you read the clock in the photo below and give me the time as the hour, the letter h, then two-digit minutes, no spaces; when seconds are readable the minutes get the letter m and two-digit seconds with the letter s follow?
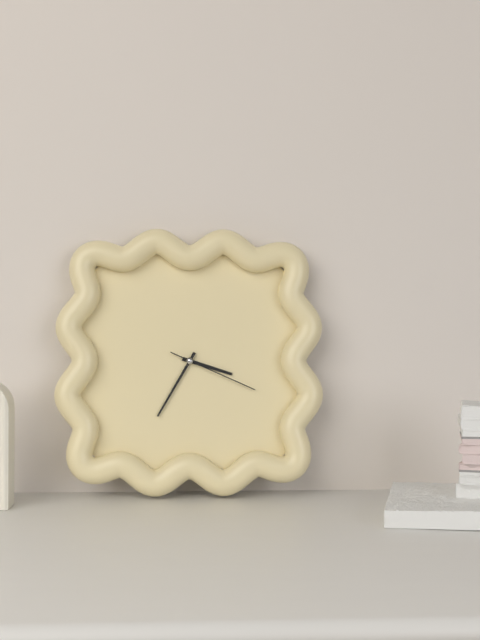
3h35m19s
